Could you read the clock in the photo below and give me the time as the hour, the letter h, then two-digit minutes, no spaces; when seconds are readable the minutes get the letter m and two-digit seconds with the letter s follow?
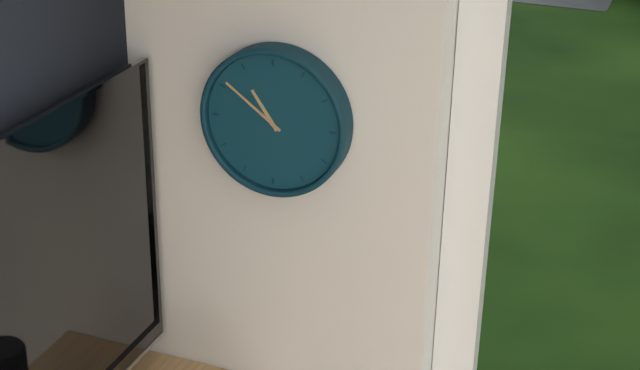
10h51
